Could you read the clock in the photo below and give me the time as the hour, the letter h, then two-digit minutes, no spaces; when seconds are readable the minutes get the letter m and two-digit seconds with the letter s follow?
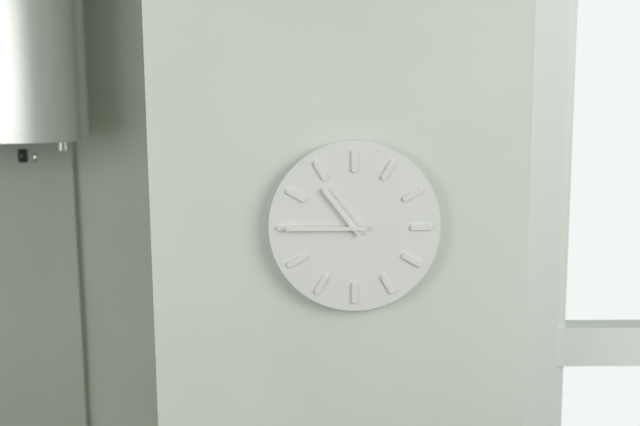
10h45
